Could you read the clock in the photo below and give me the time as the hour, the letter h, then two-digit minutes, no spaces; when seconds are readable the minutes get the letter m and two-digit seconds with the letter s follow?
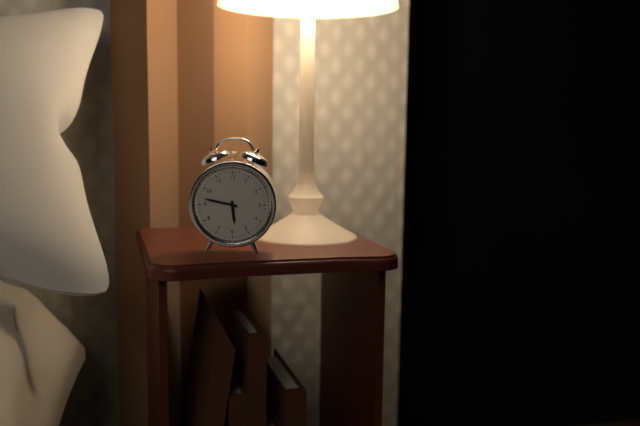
5h47
